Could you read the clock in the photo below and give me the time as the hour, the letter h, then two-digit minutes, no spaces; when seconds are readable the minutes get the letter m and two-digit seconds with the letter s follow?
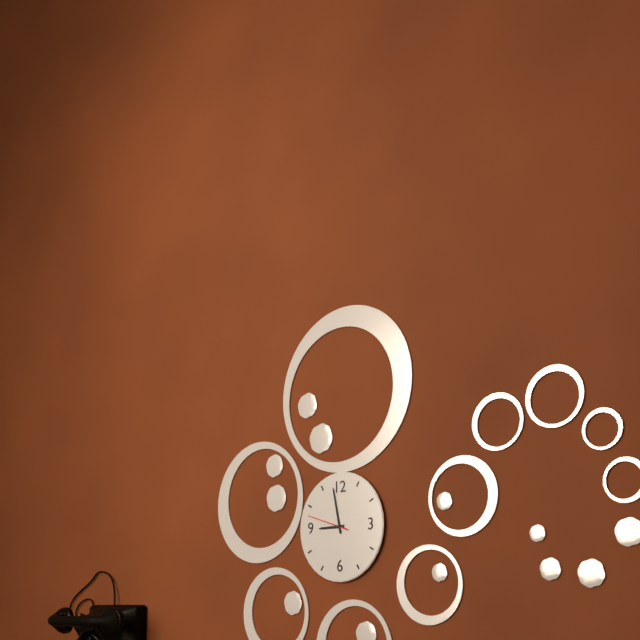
8h58
